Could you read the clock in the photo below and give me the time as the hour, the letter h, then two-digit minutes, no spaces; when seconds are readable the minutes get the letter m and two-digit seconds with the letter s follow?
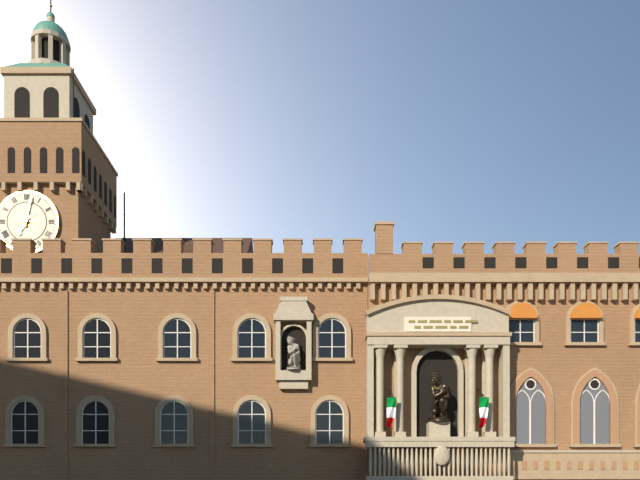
7h02
